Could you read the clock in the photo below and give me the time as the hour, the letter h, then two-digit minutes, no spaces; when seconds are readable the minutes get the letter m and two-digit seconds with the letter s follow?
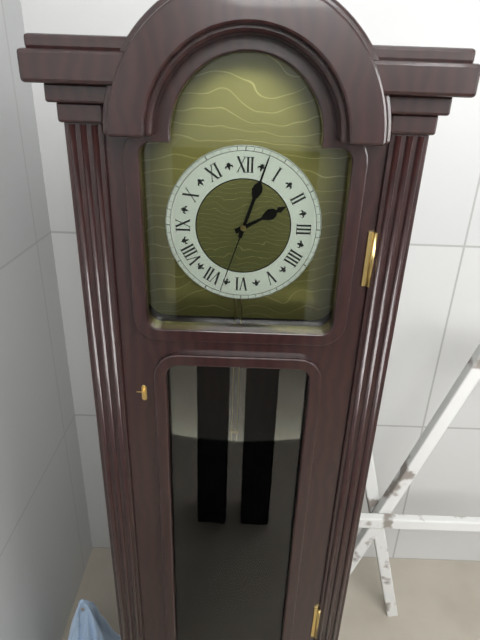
2h03m33s
